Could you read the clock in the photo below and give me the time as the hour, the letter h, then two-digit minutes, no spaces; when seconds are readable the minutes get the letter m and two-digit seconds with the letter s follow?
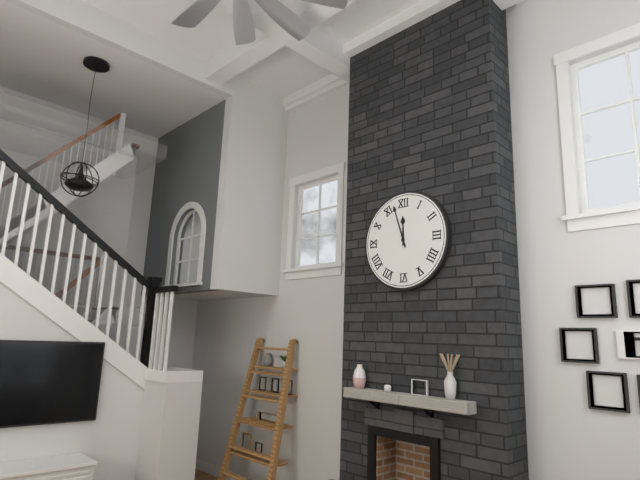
11h57
